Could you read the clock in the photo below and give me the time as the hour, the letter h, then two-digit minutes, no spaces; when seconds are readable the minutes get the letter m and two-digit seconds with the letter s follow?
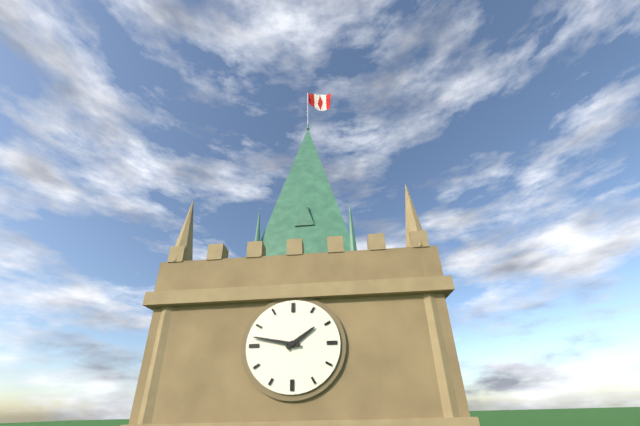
1h47
